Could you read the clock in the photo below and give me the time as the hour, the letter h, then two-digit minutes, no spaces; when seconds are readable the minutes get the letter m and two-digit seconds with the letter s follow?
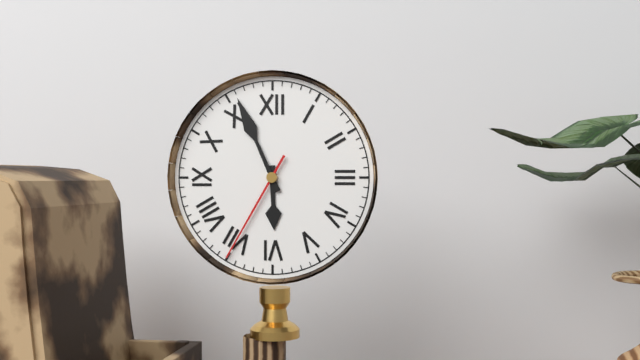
5h56m35s
